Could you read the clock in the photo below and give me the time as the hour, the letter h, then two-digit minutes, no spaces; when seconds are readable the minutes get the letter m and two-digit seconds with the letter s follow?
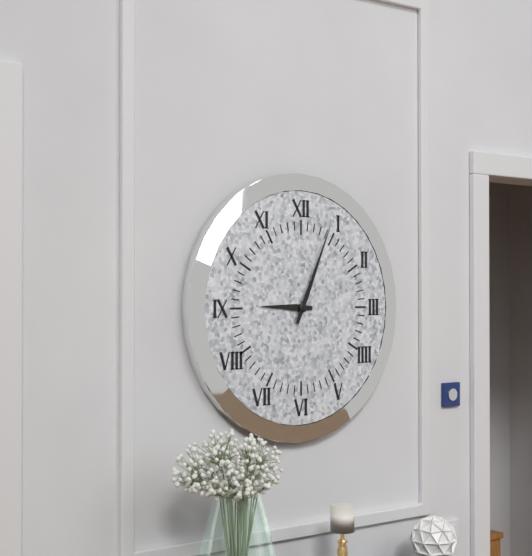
9h04
